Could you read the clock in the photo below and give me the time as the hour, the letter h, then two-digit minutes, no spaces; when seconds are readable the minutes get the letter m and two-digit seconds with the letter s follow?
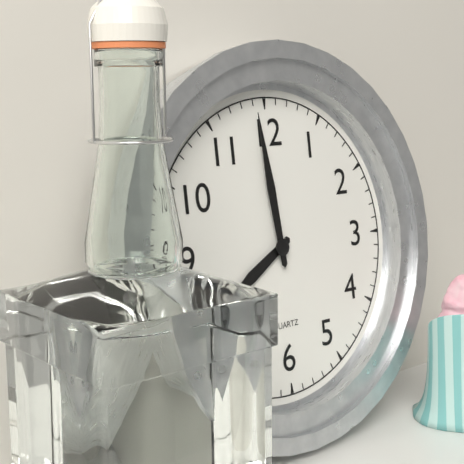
7h59
